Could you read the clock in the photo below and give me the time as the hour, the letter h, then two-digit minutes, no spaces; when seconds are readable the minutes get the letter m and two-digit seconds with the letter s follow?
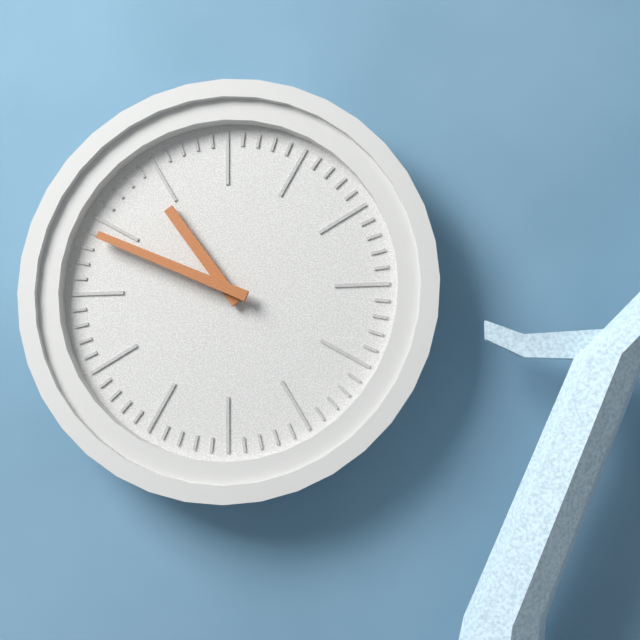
10h49
